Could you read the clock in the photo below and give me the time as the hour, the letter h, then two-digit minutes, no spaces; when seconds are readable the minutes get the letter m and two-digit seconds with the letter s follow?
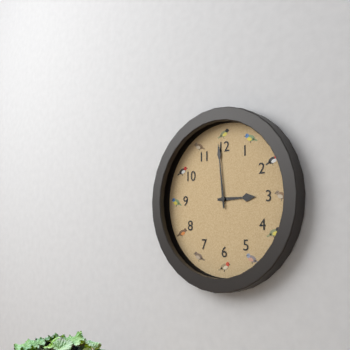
2h59
